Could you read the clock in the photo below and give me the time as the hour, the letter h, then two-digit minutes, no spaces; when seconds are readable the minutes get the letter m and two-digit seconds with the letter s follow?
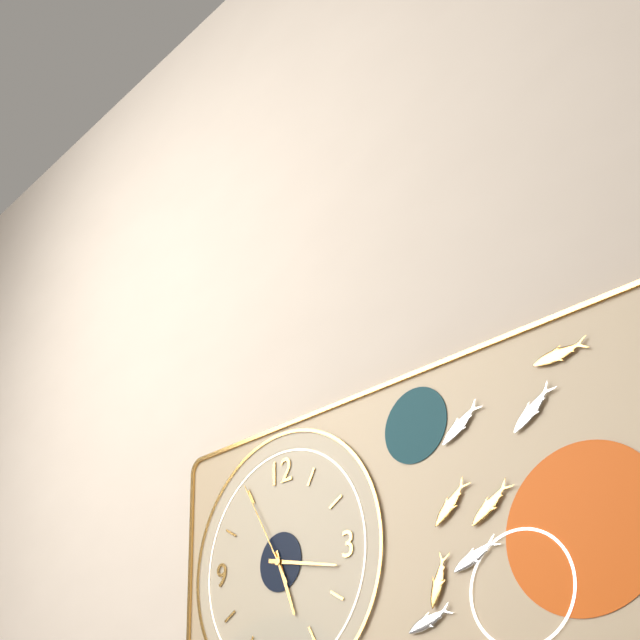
5h17m55s
